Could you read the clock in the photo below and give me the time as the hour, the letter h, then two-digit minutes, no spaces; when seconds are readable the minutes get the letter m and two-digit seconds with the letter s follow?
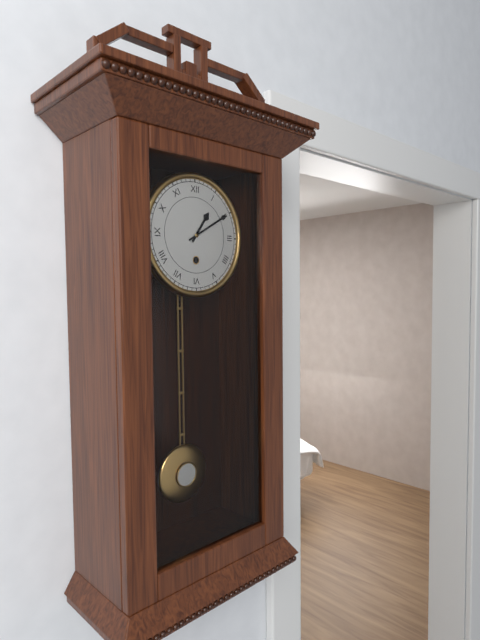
1h10
